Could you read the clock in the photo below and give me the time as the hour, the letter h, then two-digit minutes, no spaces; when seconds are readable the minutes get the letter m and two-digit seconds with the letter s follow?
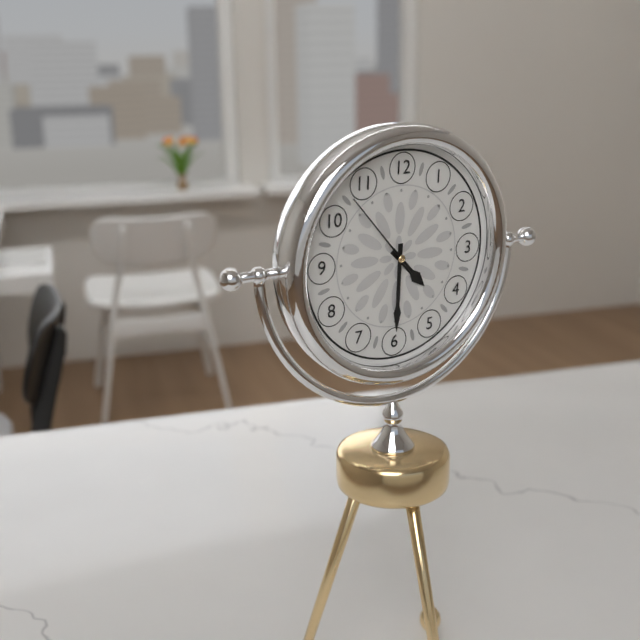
4h30m53s
